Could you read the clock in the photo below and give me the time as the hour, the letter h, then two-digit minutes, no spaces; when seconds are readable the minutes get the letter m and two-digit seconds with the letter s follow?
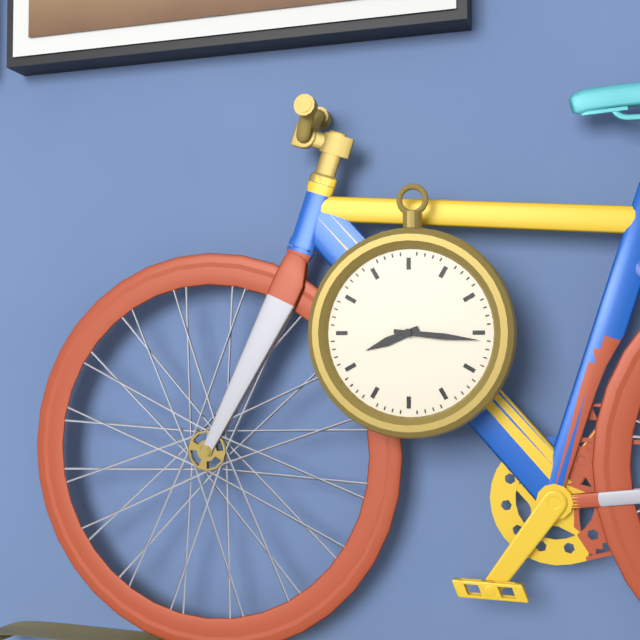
8h16
